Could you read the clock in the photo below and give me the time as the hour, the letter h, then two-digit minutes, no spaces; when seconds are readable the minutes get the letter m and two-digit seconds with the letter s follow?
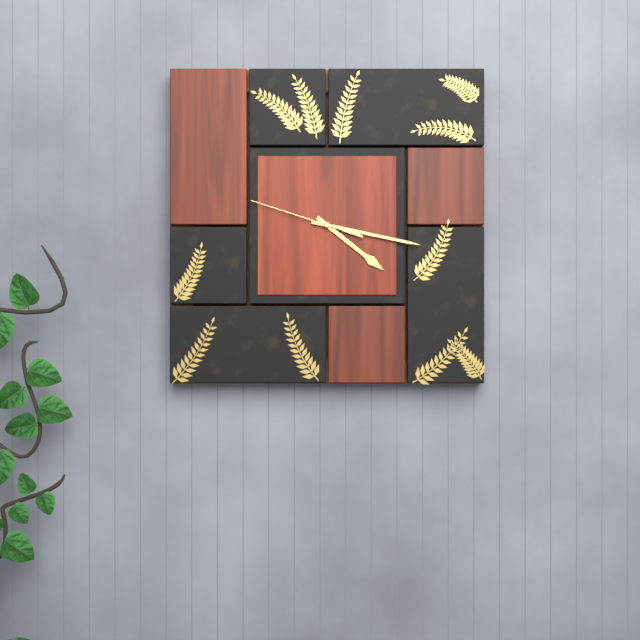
4h17m48s
